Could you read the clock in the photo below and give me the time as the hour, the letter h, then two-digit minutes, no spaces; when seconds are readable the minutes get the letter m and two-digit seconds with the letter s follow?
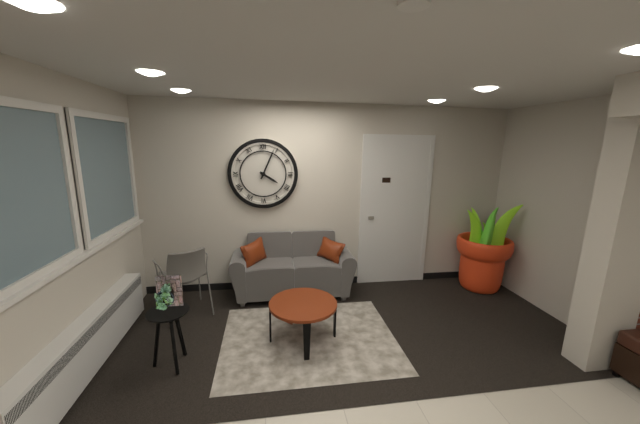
4h04
